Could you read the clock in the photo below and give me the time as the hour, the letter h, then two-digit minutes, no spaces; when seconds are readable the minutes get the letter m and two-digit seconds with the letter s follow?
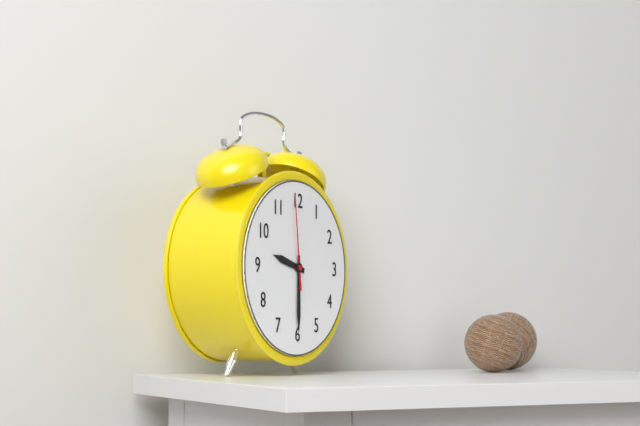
9h30m59s
